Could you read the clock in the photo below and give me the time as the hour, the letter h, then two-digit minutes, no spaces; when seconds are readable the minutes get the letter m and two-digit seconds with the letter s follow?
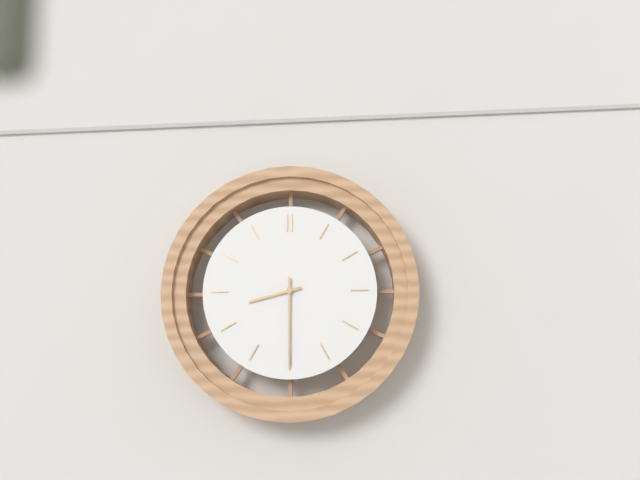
8h30
